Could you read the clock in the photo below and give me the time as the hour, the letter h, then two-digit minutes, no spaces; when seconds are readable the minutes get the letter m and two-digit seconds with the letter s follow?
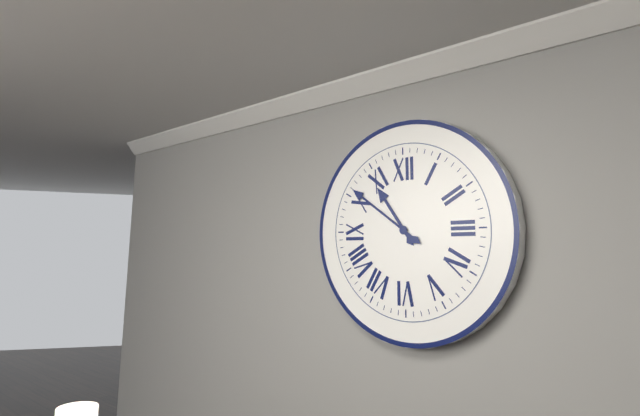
10h51
